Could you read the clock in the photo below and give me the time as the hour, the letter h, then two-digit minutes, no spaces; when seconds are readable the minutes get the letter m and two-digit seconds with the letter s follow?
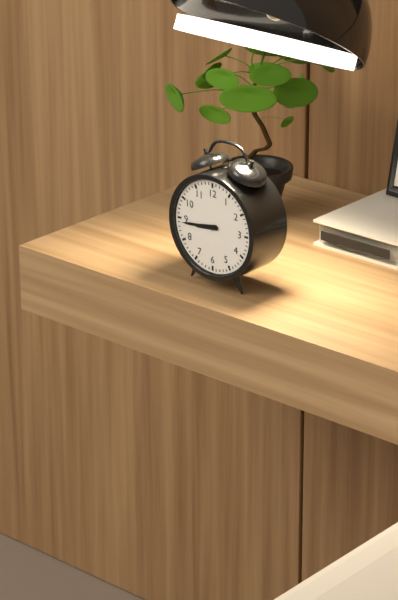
8h44
